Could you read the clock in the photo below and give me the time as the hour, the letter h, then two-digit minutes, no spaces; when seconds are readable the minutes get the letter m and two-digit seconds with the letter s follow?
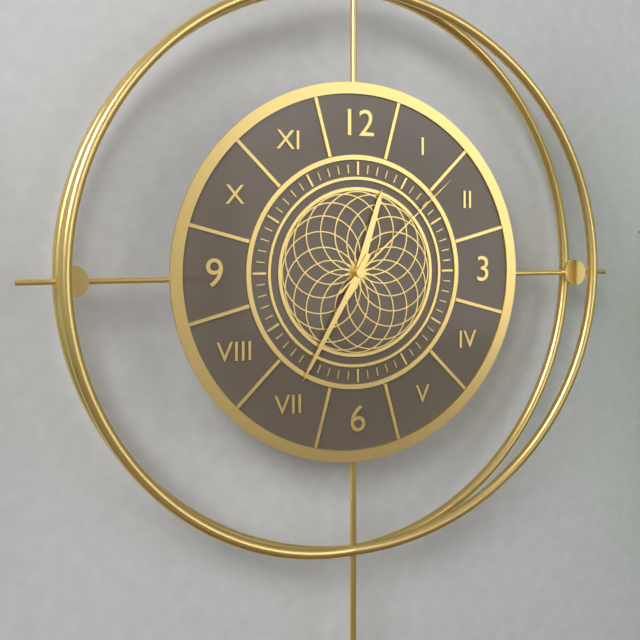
12h35m08s
